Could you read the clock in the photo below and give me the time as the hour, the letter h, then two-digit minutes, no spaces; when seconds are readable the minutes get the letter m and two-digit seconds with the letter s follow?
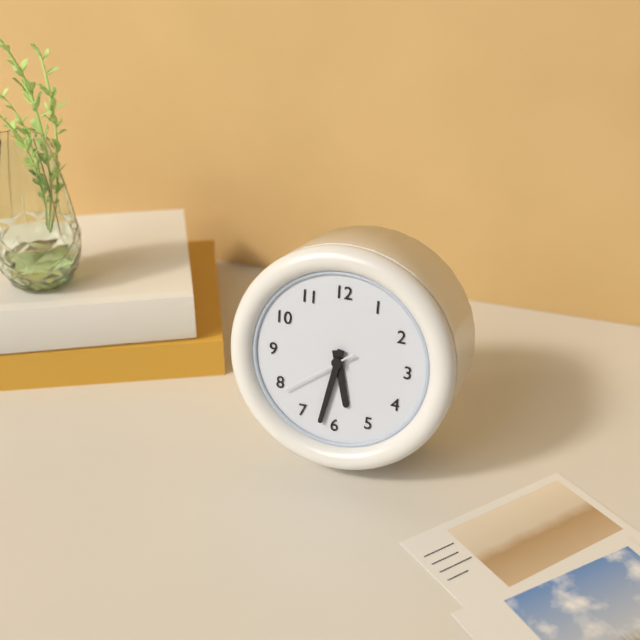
5h32m39s
